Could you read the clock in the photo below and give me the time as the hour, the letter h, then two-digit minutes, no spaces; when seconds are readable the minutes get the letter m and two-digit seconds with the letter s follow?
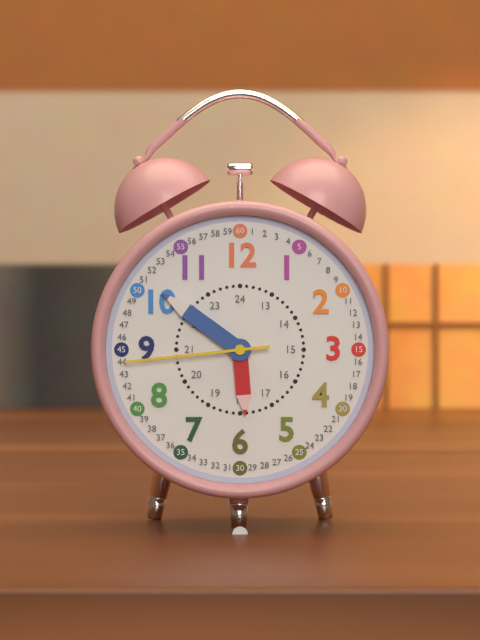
5h51m44s
